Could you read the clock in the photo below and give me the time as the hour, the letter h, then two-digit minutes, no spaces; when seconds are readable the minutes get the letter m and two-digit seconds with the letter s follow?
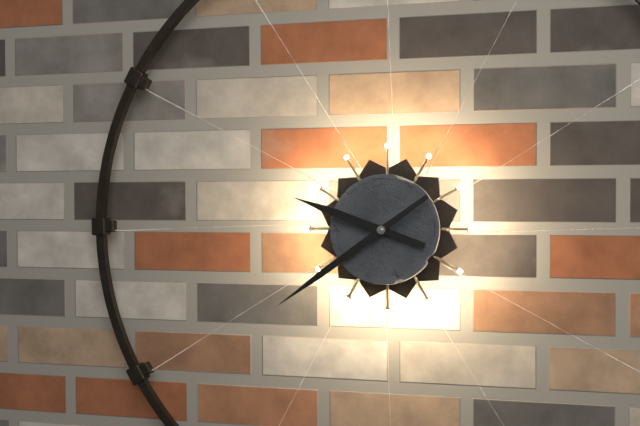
9h39
